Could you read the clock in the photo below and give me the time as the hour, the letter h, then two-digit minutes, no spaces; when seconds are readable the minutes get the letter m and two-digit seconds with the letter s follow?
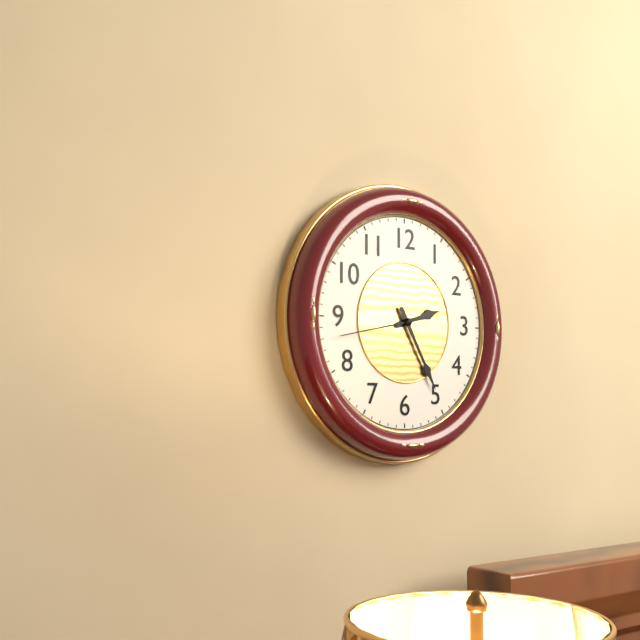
2h25m43s
